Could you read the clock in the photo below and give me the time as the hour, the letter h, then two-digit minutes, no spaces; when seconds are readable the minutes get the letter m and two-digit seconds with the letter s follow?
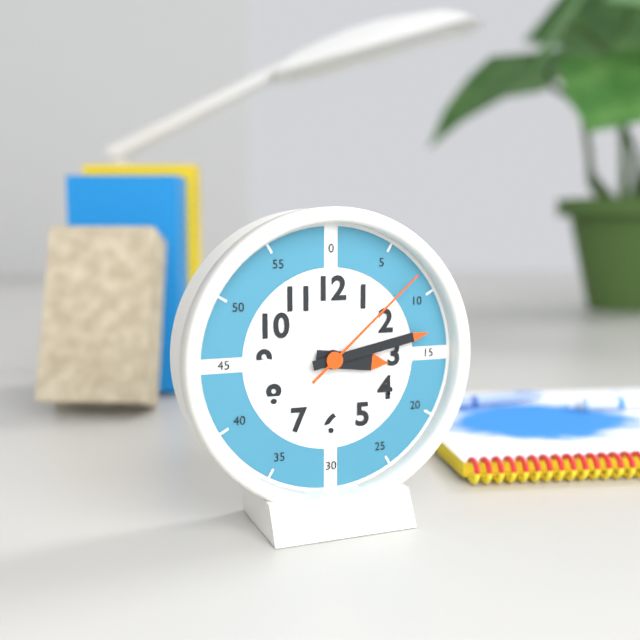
3h13m08s
